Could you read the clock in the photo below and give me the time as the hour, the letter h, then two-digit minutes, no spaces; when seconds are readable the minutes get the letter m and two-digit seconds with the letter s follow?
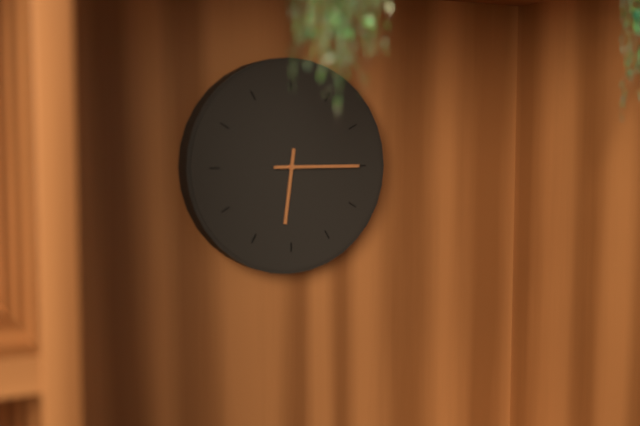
6h15
